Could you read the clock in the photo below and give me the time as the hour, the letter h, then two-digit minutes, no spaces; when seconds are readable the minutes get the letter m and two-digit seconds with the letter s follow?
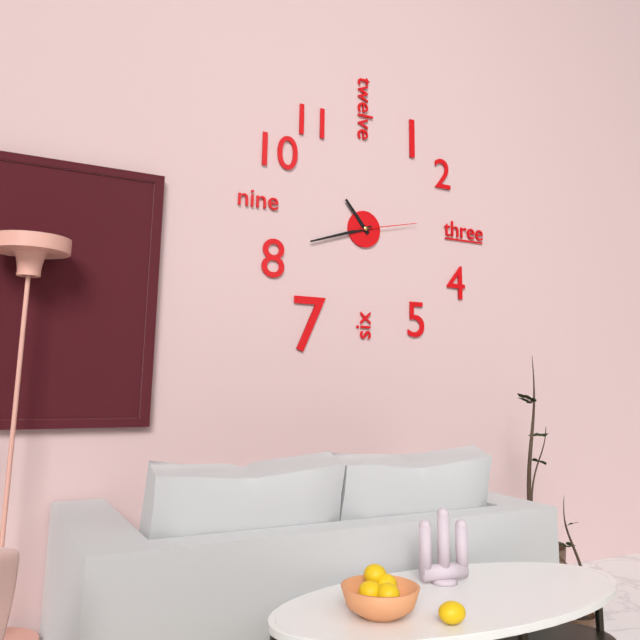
10h42m13s
